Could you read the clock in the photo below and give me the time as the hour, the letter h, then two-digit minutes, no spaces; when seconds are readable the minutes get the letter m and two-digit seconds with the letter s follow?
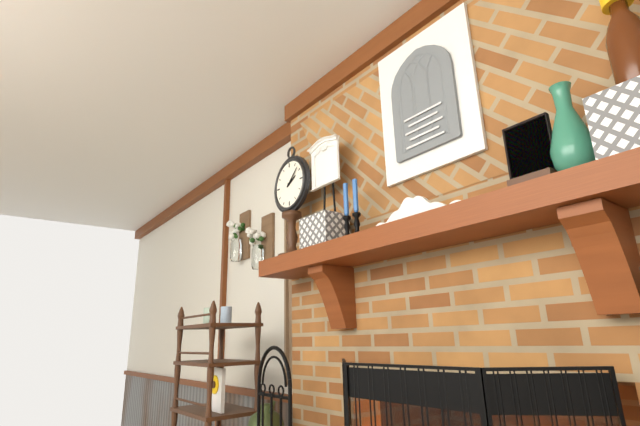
2h08
